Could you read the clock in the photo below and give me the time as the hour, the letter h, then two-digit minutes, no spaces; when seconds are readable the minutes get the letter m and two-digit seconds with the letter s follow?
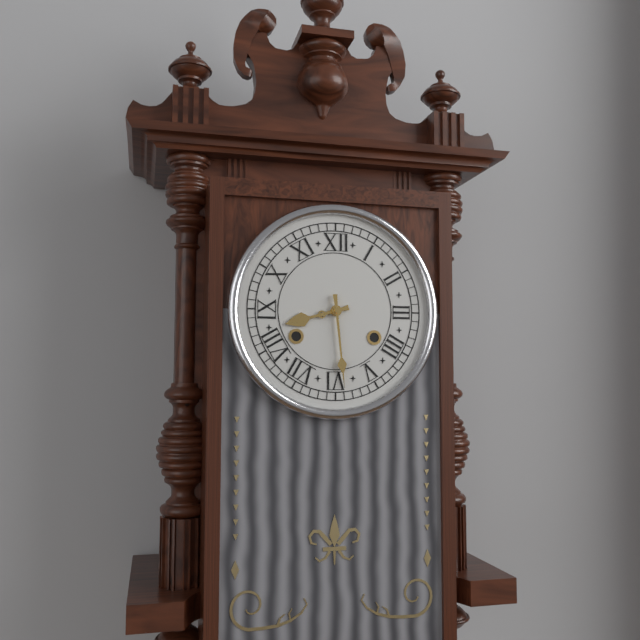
8h29
